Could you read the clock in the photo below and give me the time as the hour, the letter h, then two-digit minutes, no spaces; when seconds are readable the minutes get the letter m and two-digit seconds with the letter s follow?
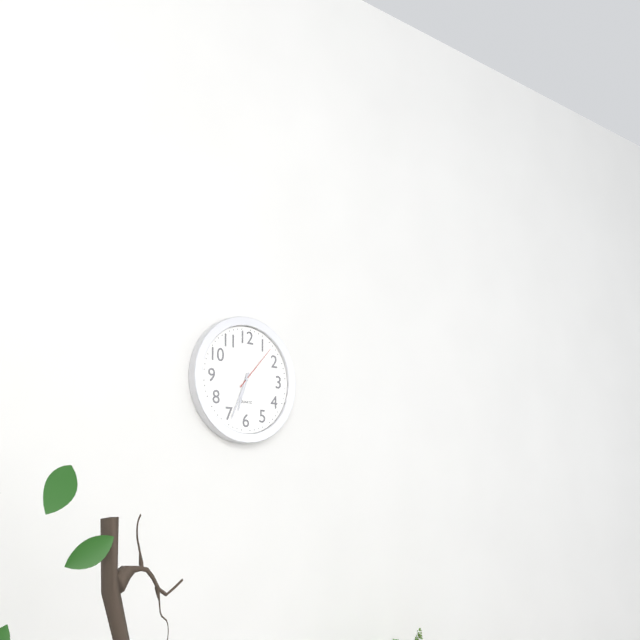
6h34
